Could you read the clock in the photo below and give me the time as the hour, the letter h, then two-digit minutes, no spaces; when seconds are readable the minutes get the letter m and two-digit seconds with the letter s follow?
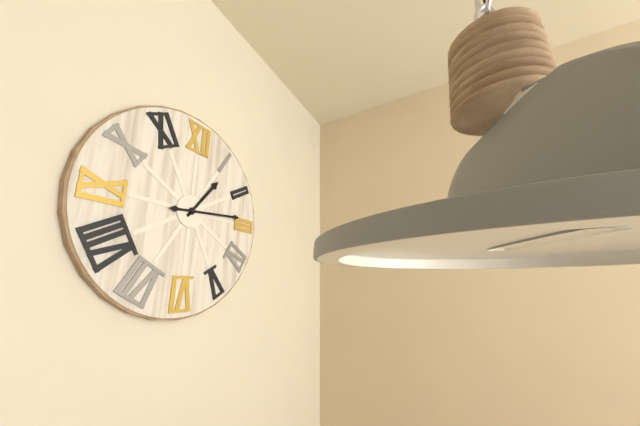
1h14
